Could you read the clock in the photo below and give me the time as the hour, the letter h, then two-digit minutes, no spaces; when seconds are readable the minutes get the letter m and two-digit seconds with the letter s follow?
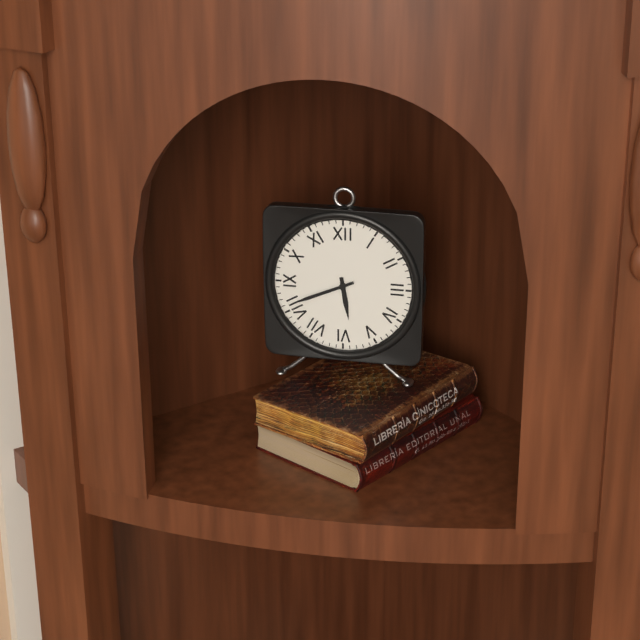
5h41
